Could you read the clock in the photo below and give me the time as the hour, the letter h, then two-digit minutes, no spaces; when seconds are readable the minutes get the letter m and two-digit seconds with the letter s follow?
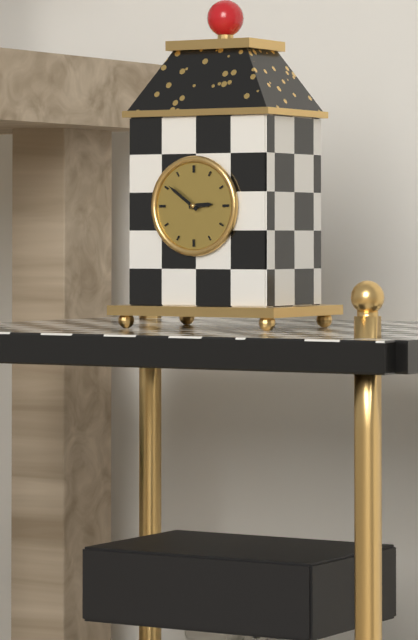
2h51
